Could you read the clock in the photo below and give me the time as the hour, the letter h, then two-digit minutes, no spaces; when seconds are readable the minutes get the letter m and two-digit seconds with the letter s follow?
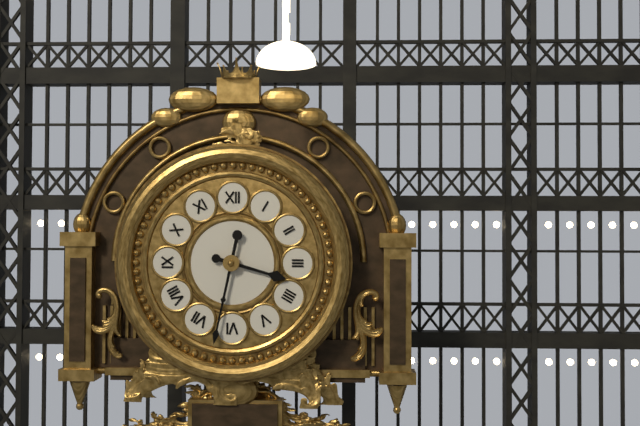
3h32
